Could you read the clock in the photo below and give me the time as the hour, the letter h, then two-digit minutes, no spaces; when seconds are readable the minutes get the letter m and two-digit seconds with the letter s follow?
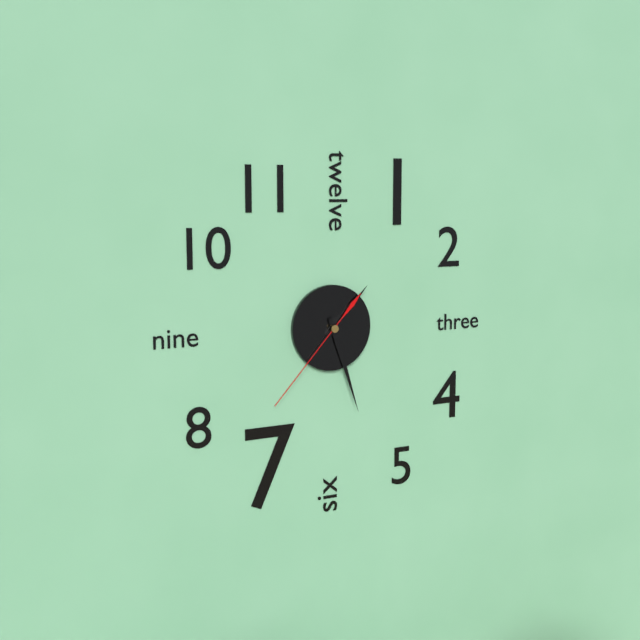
1h27m37s
